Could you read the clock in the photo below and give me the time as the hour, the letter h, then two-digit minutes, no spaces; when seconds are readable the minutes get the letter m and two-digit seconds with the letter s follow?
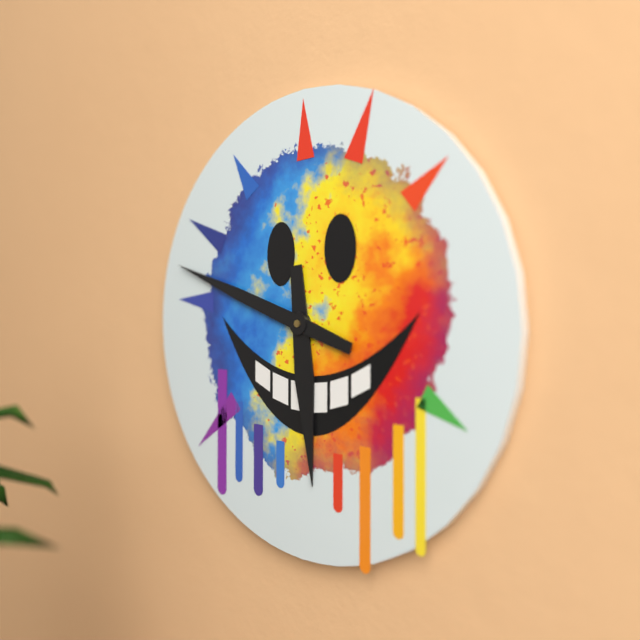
5h48
